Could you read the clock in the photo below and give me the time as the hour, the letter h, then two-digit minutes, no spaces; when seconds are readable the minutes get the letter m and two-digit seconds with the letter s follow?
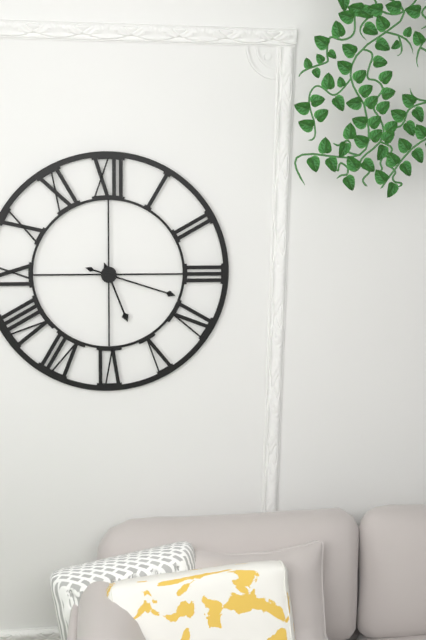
5h18
